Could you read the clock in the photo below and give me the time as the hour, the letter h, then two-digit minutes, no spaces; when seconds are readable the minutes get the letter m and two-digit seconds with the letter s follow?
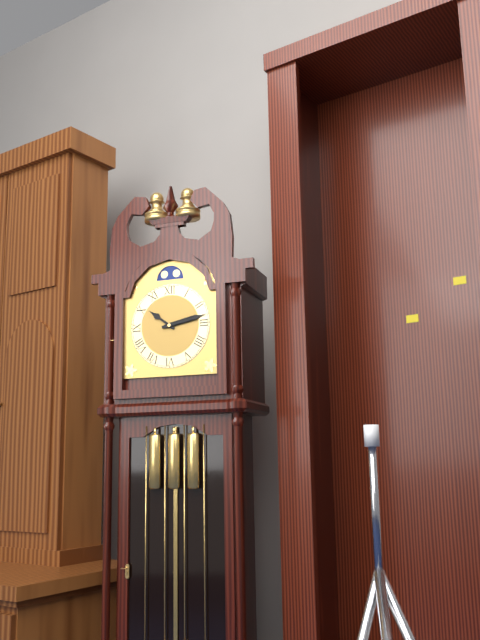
10h13
